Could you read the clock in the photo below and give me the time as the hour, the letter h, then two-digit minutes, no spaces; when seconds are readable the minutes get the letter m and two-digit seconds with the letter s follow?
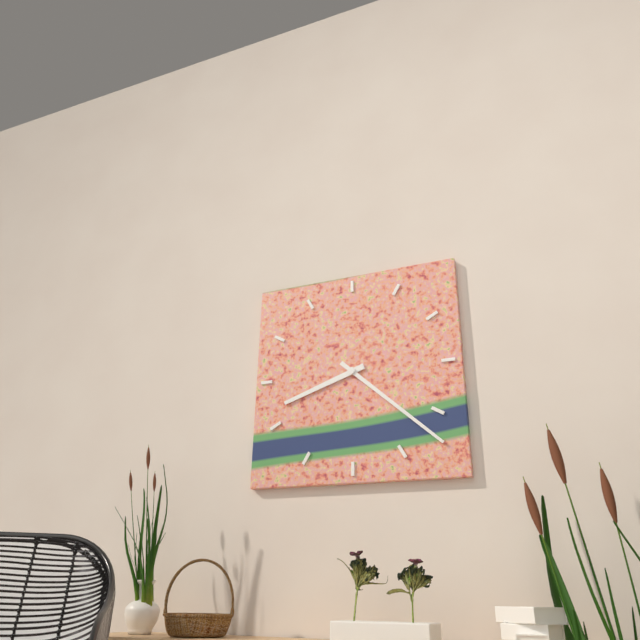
8h22
